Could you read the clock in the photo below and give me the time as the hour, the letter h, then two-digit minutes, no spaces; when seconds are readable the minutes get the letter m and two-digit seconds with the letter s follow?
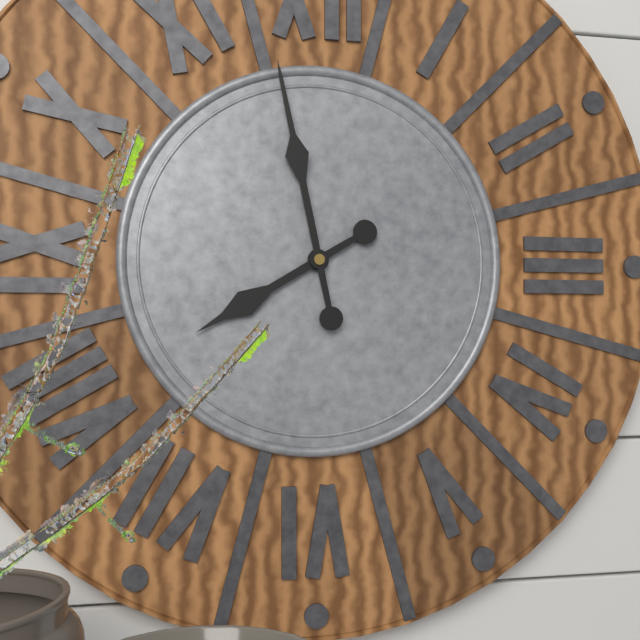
7h58
